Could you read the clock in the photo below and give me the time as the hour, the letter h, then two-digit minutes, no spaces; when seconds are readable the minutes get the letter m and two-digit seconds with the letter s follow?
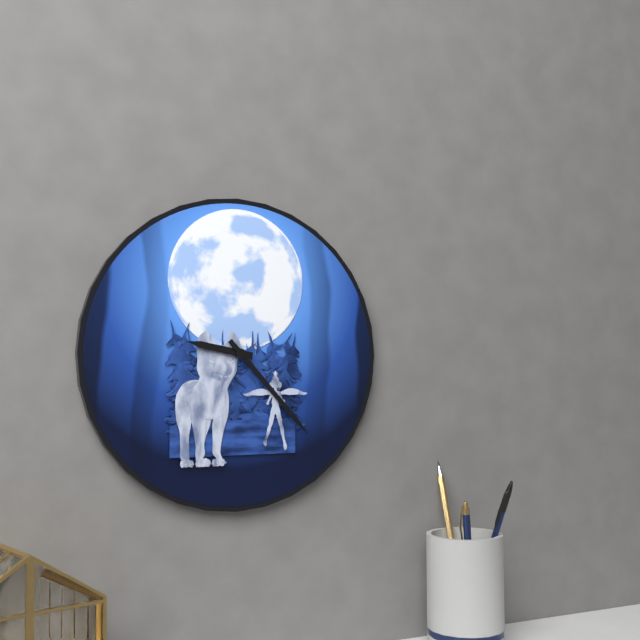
9h23
